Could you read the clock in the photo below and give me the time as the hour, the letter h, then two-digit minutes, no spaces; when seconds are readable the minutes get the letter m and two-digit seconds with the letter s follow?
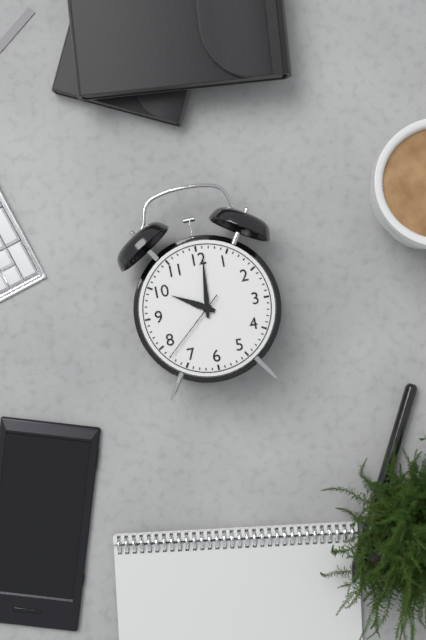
10h01m38s
